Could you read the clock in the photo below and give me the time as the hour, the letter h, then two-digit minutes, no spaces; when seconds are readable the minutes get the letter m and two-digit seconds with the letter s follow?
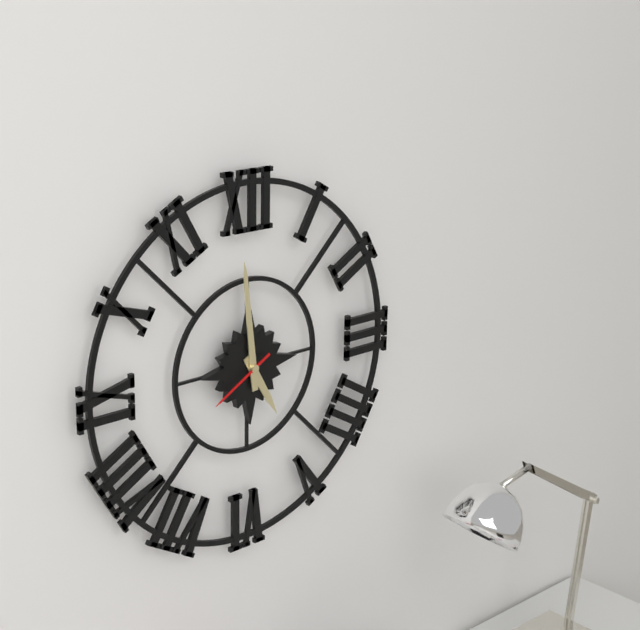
4h59m40s
